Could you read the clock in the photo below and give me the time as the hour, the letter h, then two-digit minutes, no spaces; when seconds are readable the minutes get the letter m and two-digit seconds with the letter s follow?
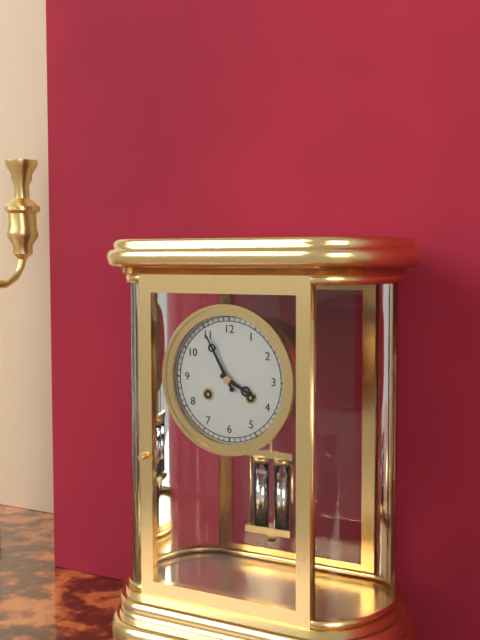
3h55
